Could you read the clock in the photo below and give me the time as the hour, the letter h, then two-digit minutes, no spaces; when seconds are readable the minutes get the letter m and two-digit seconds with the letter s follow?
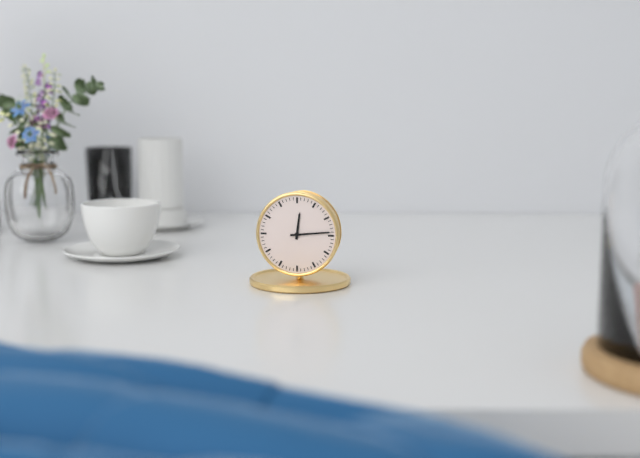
12h14
